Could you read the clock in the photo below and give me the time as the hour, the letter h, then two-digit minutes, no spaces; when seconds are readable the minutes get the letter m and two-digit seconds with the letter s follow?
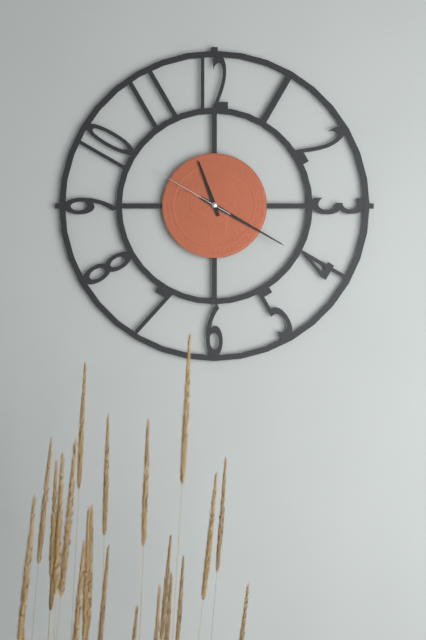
11h20m50s
